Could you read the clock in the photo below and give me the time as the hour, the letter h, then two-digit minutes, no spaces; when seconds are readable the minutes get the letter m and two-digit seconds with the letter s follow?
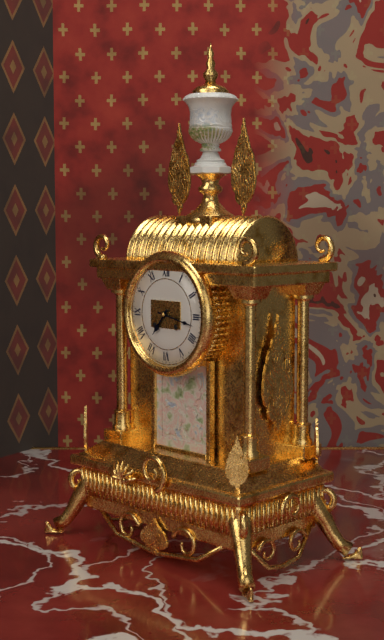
7h17
